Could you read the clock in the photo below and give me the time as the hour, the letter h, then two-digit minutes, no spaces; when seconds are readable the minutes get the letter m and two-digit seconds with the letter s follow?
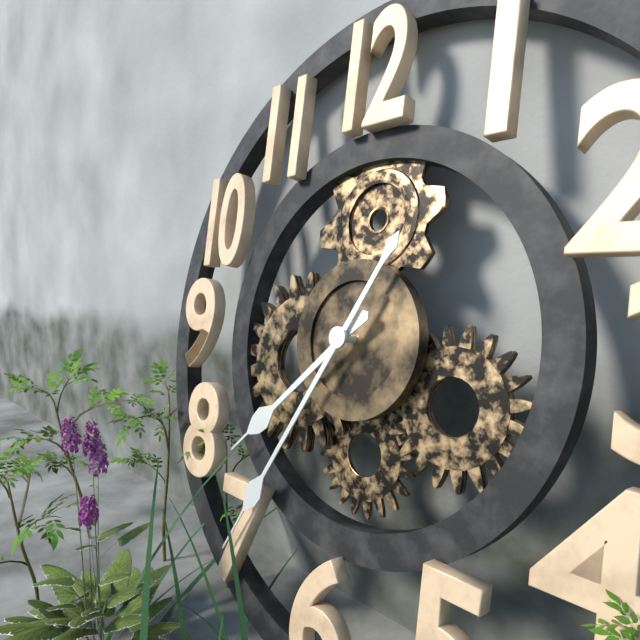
7h35
